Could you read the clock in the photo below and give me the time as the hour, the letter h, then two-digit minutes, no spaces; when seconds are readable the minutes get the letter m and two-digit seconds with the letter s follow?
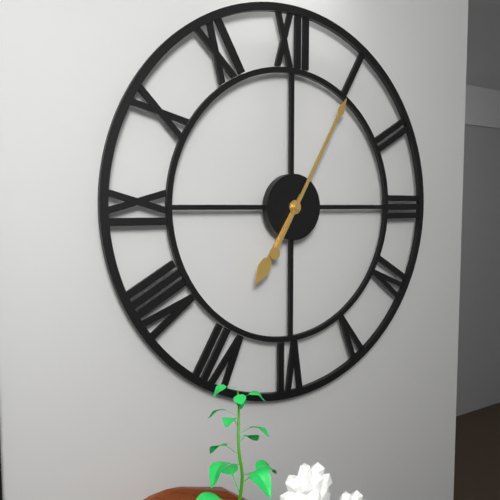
7h05
